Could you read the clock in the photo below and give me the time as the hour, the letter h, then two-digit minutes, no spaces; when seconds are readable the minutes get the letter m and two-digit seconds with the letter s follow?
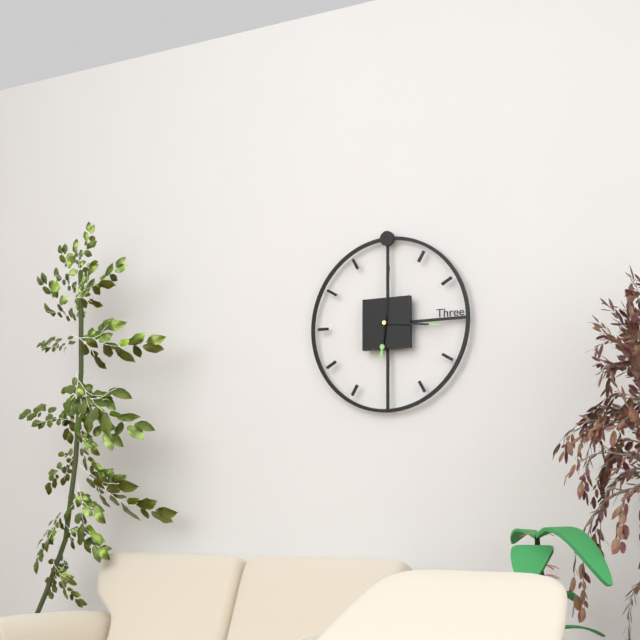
6h16m01s
